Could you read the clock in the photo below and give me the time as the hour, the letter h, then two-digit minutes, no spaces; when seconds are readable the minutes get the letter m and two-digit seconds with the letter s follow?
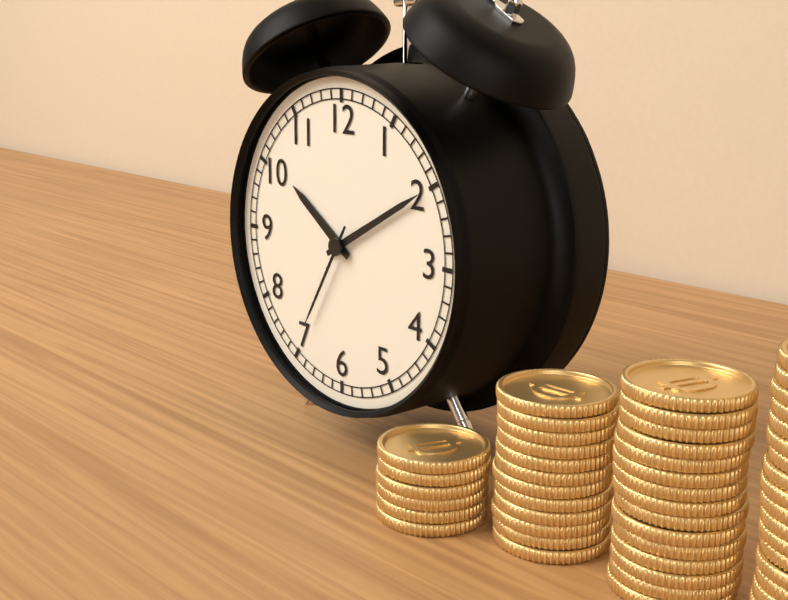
10h10m35s
